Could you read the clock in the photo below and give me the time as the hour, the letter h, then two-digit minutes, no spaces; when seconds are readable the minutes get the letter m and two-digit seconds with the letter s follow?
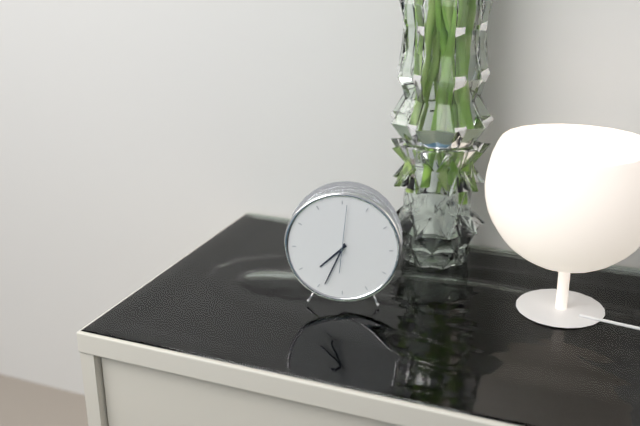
7h34m01s
